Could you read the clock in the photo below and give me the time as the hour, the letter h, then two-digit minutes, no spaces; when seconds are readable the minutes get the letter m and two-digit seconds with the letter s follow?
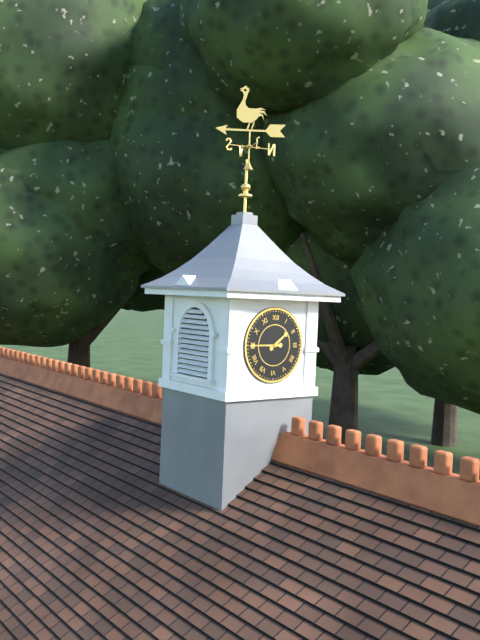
1h45
